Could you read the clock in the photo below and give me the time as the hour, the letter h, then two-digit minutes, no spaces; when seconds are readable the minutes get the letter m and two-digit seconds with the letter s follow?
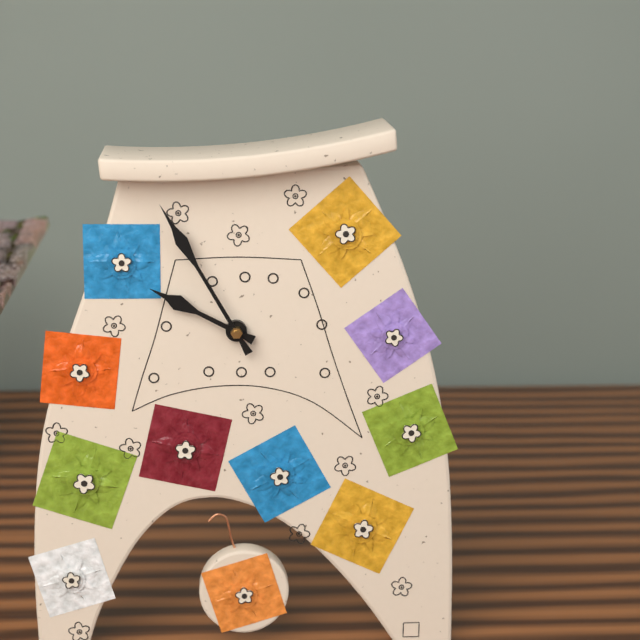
9h55
